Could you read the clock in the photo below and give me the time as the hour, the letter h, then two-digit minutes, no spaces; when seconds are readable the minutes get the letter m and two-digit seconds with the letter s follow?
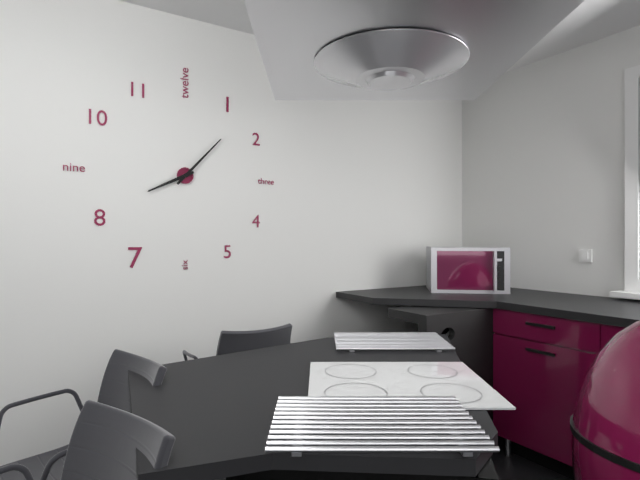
8h07
